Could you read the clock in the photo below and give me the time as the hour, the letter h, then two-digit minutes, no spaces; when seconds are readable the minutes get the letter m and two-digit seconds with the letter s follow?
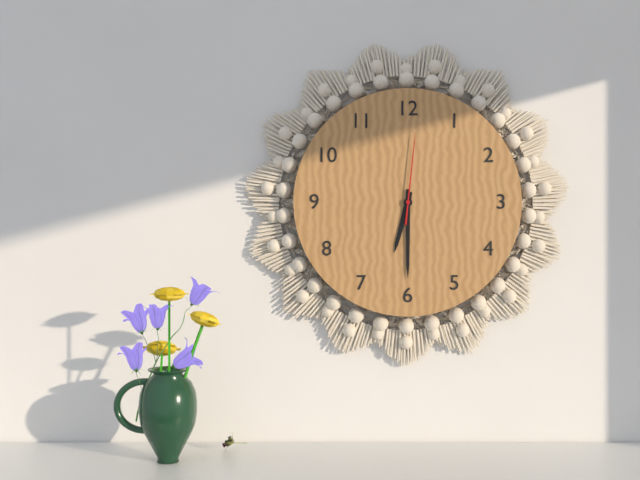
6h30m01s
